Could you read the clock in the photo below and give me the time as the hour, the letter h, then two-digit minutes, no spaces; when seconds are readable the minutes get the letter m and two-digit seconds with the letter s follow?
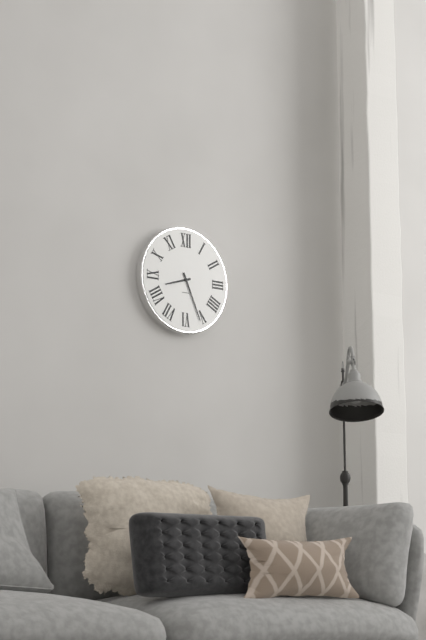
8h26
